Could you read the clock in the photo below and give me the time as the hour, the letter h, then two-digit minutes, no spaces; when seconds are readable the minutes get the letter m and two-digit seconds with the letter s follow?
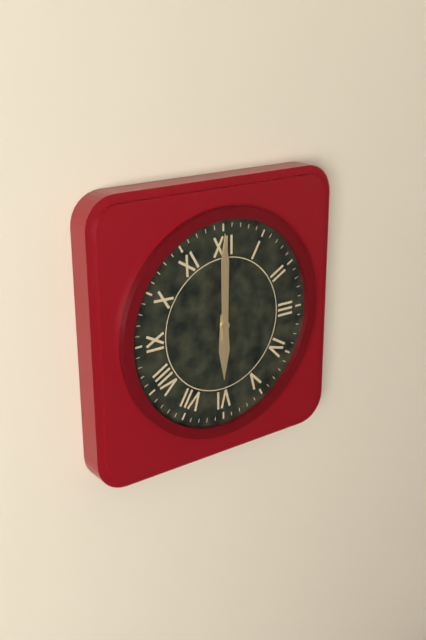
6h00
